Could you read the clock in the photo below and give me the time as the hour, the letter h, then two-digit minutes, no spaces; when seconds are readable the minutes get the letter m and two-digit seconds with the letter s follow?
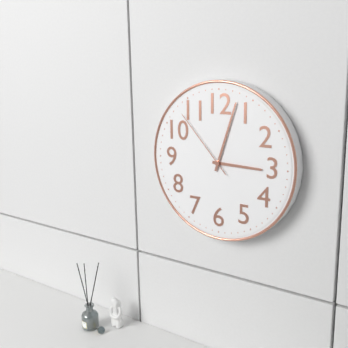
3h03m53s
